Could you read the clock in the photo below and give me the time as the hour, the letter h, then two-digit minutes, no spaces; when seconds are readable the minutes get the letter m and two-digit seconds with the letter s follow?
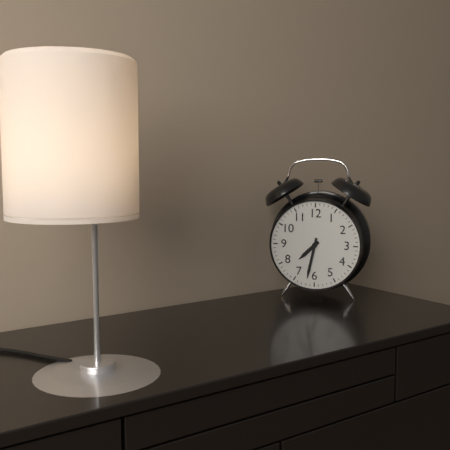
7h32
